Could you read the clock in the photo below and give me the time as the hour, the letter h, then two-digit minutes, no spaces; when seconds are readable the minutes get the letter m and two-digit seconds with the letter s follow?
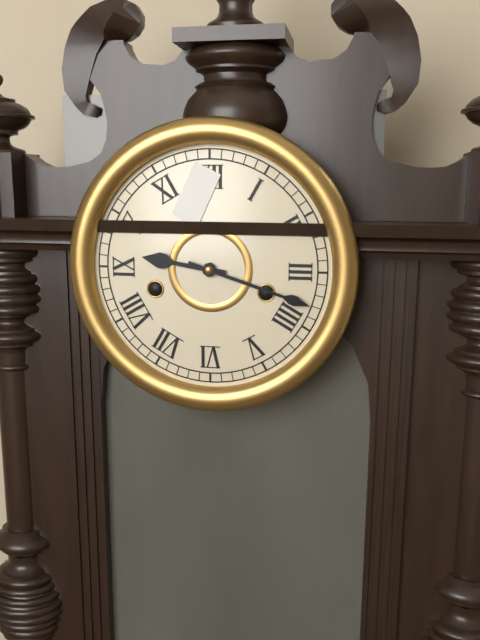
9h18
